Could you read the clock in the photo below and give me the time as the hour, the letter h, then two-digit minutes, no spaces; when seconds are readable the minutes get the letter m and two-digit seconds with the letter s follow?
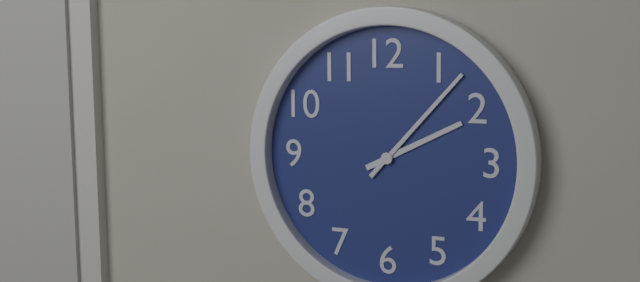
2h07
